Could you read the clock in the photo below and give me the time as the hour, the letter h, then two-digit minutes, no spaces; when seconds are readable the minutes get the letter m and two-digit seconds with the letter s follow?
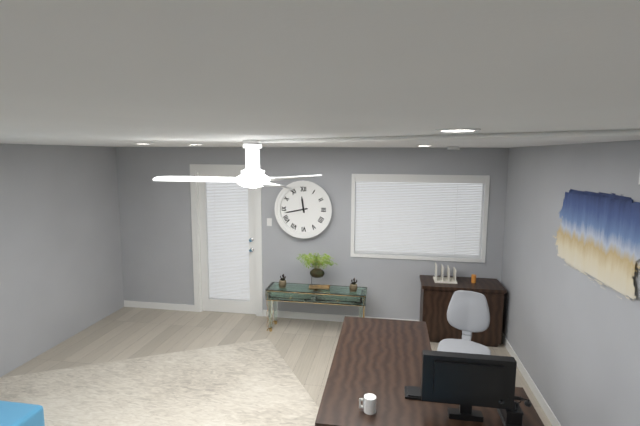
11h43
